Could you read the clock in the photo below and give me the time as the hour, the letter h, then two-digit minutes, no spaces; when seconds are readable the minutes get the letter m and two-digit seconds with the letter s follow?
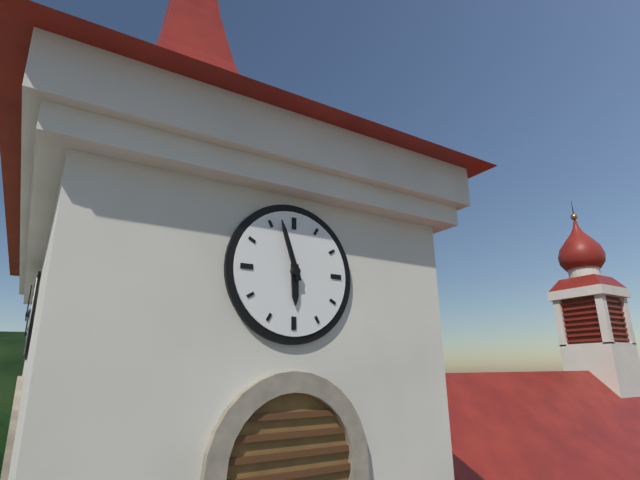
5h57
